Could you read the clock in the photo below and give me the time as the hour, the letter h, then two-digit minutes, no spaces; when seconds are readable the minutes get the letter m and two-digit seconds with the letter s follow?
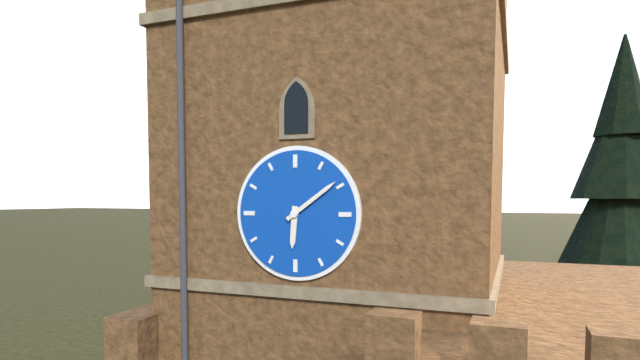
6h09
